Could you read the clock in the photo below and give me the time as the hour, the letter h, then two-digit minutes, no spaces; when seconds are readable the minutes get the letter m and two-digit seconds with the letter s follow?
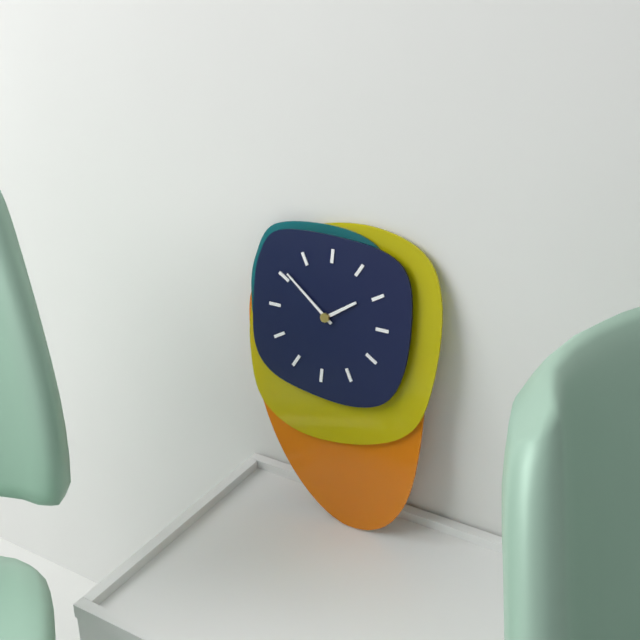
1h51
